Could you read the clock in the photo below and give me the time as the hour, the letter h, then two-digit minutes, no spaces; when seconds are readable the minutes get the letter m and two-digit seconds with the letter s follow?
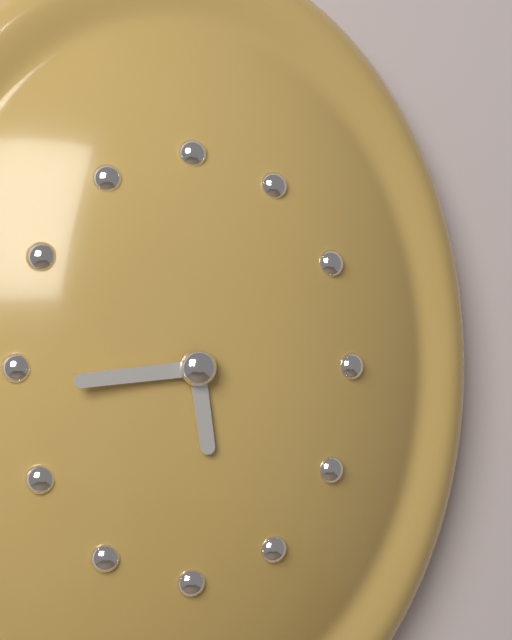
5h44
